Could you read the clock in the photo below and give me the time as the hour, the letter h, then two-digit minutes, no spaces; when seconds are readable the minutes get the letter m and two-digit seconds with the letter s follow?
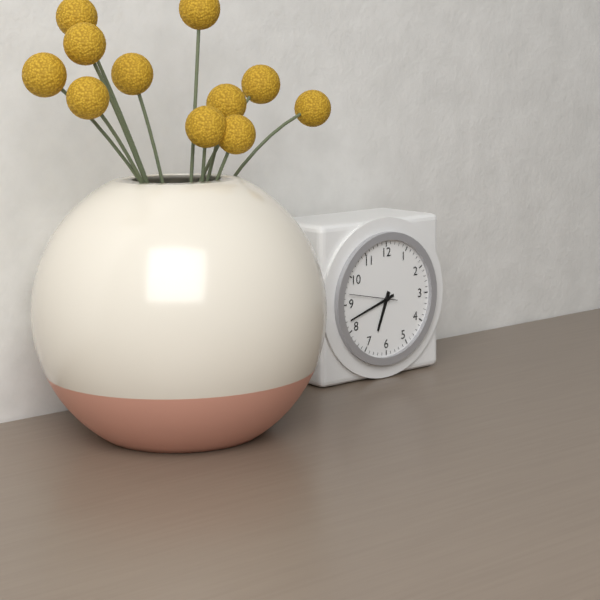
6h42
